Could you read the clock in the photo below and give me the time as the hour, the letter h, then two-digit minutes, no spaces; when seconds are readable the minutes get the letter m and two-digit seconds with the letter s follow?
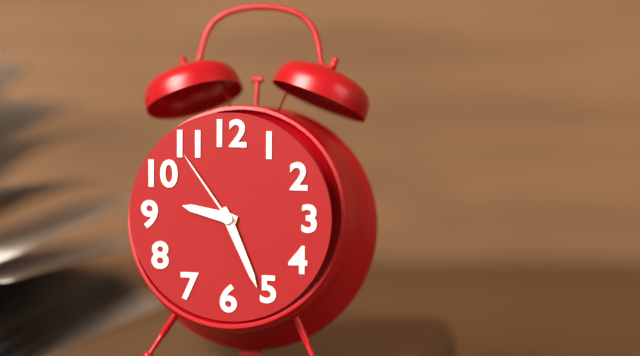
9h26m54s
